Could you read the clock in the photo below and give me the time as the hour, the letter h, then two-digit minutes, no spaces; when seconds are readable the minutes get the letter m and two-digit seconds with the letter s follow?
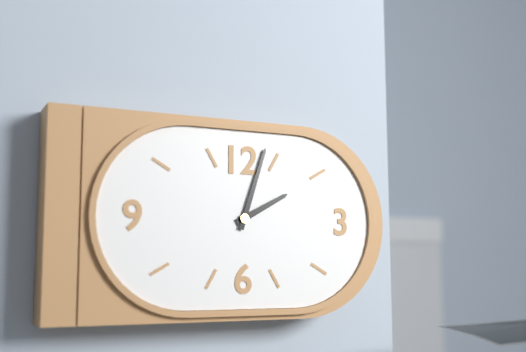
2h03
